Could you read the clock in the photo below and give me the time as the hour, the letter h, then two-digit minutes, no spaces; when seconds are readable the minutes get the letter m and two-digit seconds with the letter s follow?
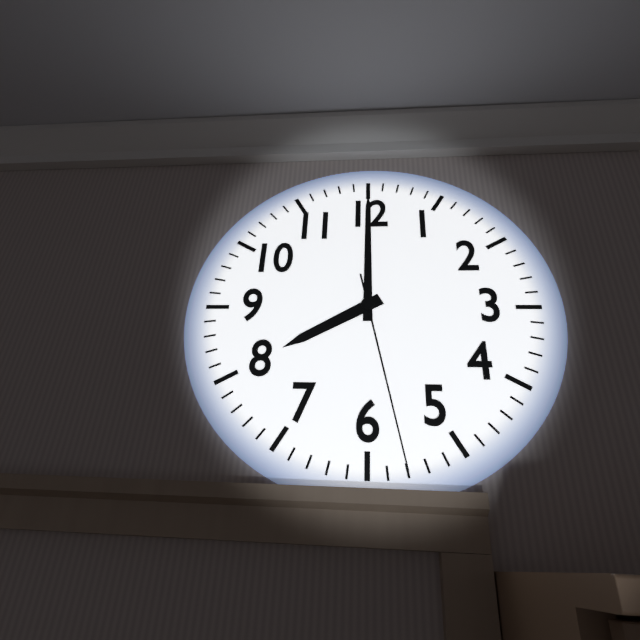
8h00m28s
